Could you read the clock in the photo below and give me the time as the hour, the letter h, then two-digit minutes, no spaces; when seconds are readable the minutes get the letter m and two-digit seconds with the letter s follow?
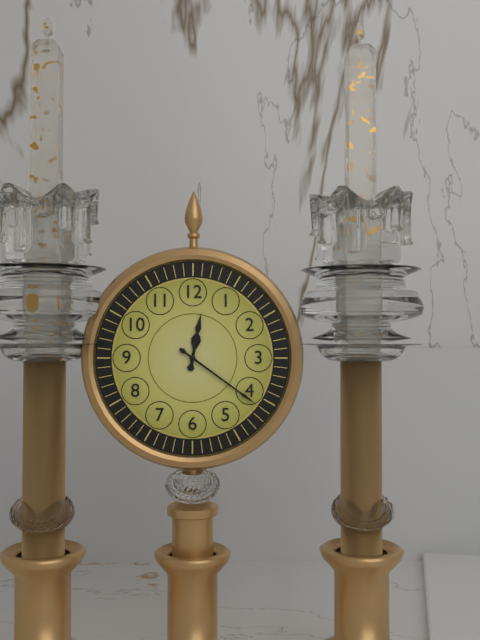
12h21
